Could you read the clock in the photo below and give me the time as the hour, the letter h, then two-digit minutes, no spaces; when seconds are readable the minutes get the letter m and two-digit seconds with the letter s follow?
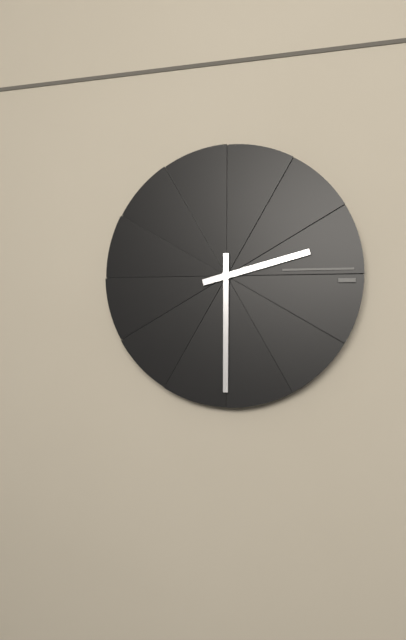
2h30
